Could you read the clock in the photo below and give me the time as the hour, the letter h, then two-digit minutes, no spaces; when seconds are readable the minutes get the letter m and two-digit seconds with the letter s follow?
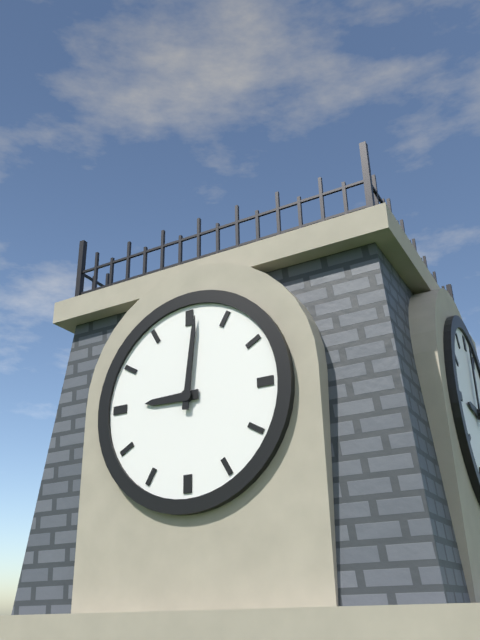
9h01
